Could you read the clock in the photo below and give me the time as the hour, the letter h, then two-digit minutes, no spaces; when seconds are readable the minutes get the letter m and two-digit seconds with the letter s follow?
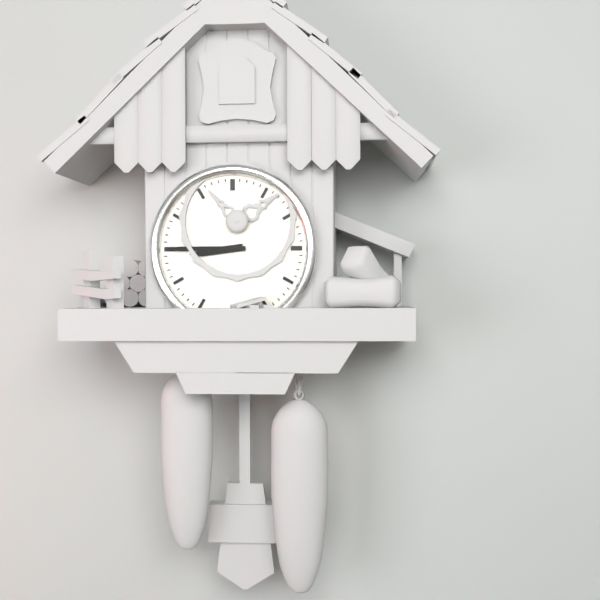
8h45
